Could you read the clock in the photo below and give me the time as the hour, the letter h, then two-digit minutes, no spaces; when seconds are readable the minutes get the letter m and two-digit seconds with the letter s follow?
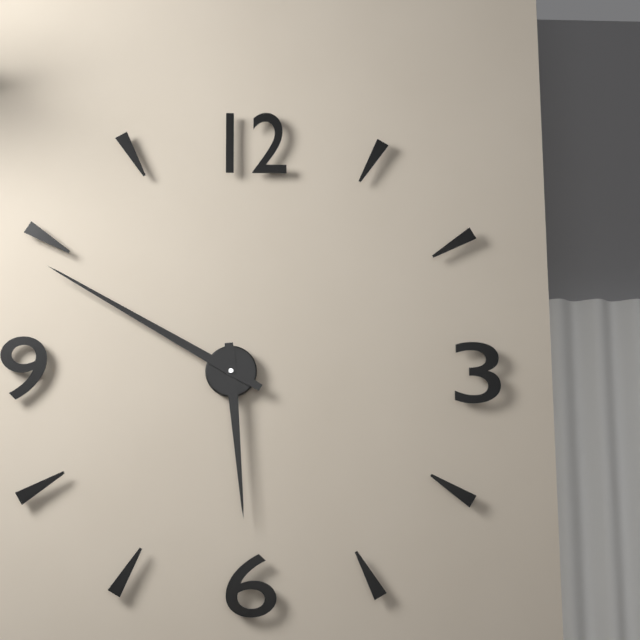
5h50
